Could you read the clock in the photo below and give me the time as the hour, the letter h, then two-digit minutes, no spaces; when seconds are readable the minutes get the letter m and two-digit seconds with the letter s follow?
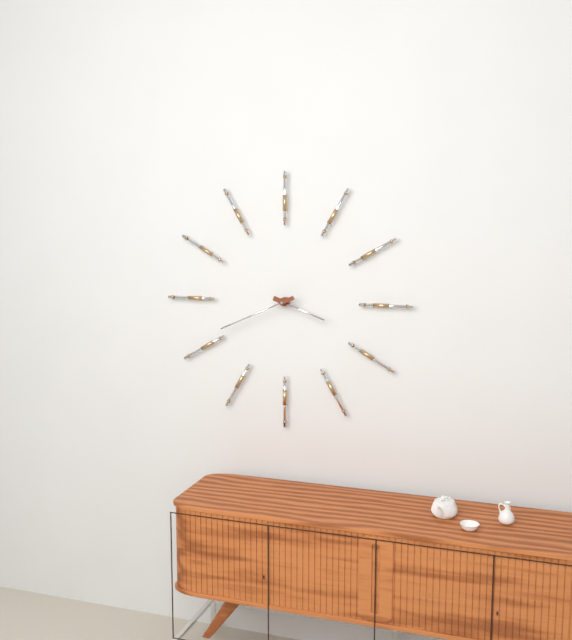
3h41
